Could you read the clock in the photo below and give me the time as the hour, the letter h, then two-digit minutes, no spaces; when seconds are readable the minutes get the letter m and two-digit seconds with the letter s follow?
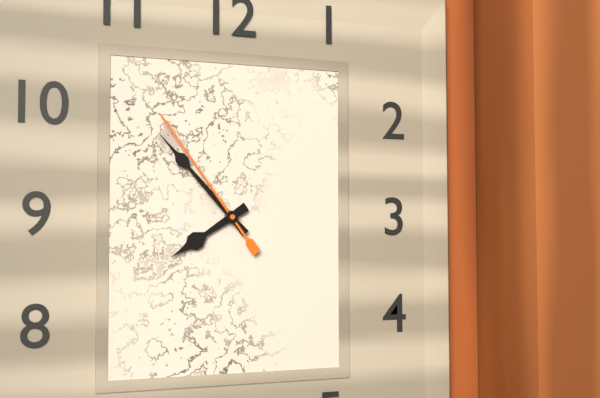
7h53m54s
